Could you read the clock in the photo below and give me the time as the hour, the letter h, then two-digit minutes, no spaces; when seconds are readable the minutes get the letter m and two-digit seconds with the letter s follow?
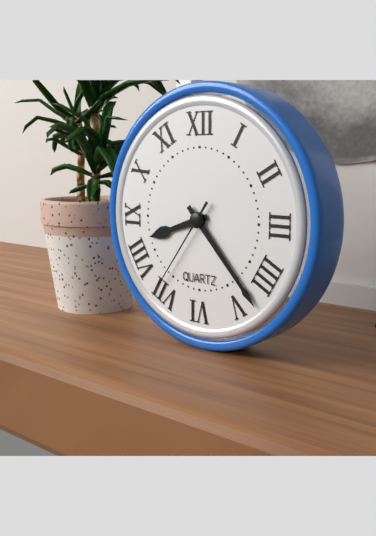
8h23m36s
